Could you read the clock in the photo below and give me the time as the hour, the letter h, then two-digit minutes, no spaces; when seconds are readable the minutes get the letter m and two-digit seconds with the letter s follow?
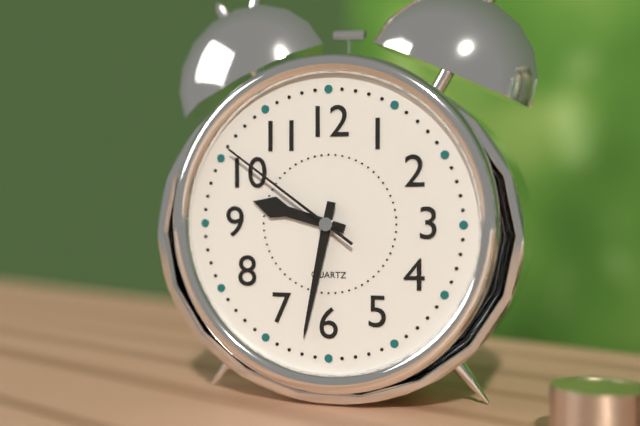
9h32m51s
